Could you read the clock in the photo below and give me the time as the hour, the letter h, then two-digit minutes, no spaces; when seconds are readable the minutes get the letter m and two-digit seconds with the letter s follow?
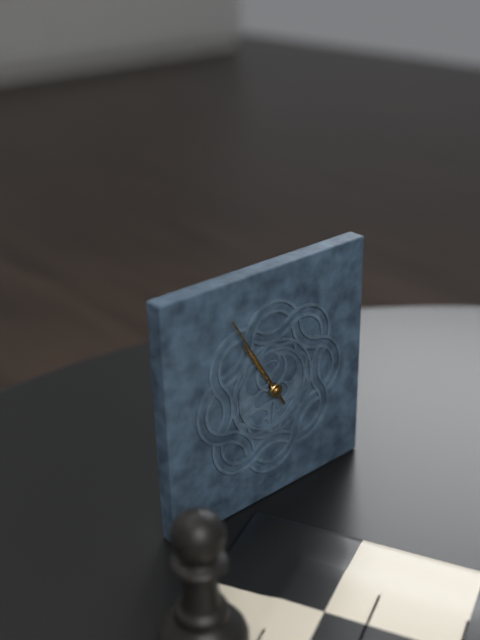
10h55
